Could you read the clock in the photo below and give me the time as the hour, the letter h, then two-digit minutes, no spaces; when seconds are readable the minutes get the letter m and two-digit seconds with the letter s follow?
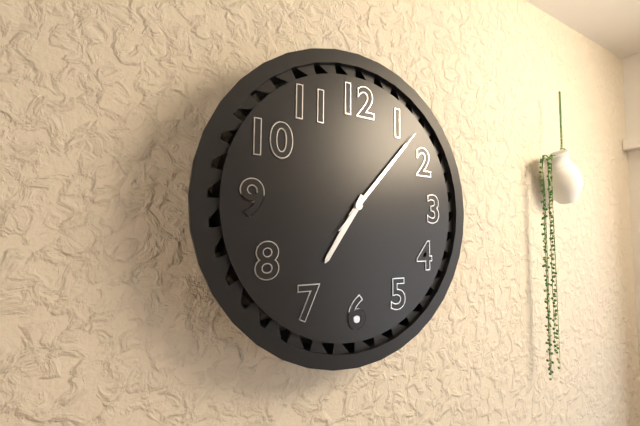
7h07m07s
